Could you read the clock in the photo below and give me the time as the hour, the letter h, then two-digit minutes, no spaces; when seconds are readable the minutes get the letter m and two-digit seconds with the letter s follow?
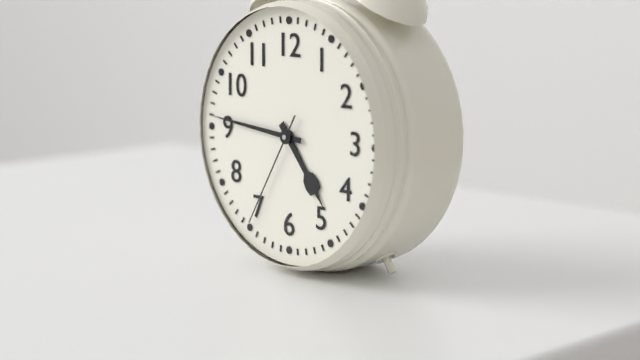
4h46m35s
